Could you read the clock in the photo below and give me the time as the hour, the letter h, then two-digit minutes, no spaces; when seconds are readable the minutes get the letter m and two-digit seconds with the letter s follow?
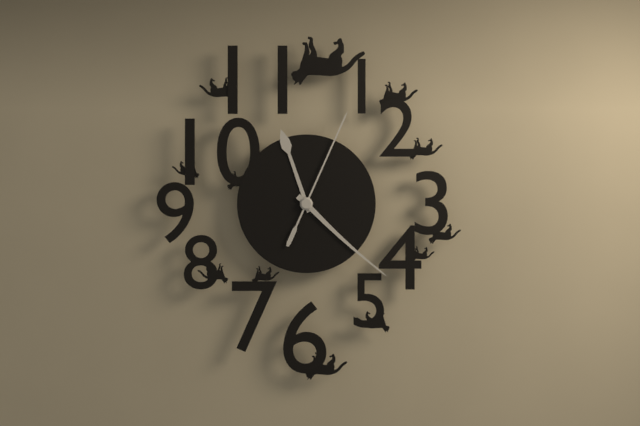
11h22m04s
